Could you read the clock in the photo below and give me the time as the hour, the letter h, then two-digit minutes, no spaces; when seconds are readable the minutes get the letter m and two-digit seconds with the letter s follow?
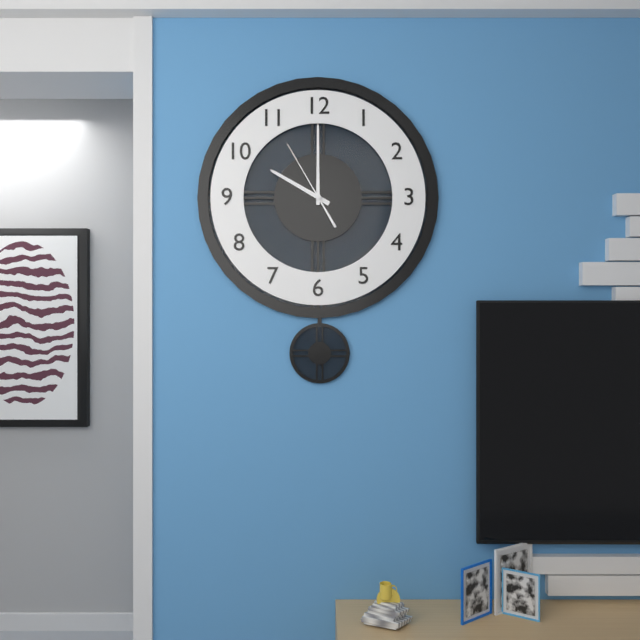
10h00m55s
